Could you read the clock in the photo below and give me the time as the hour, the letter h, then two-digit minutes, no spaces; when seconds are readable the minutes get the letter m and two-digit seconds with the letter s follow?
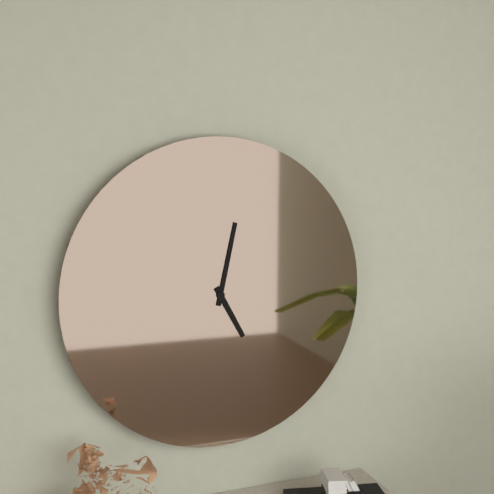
5h02
